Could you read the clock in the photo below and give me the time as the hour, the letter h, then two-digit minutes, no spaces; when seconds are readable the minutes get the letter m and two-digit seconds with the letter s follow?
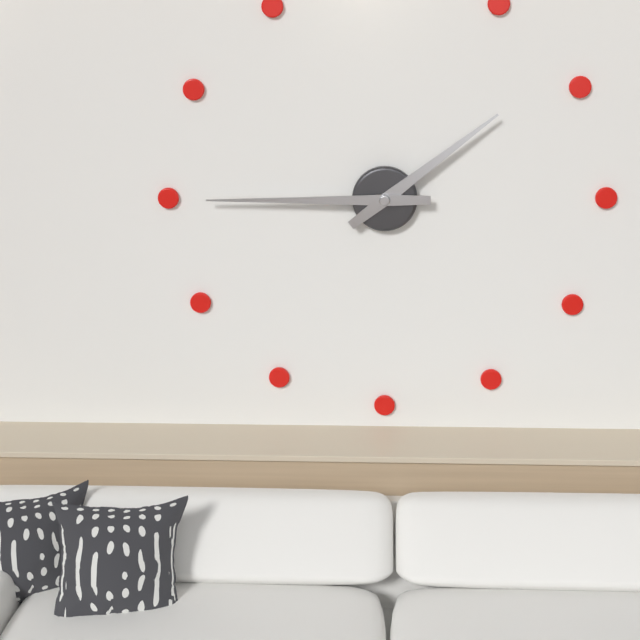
1h45
